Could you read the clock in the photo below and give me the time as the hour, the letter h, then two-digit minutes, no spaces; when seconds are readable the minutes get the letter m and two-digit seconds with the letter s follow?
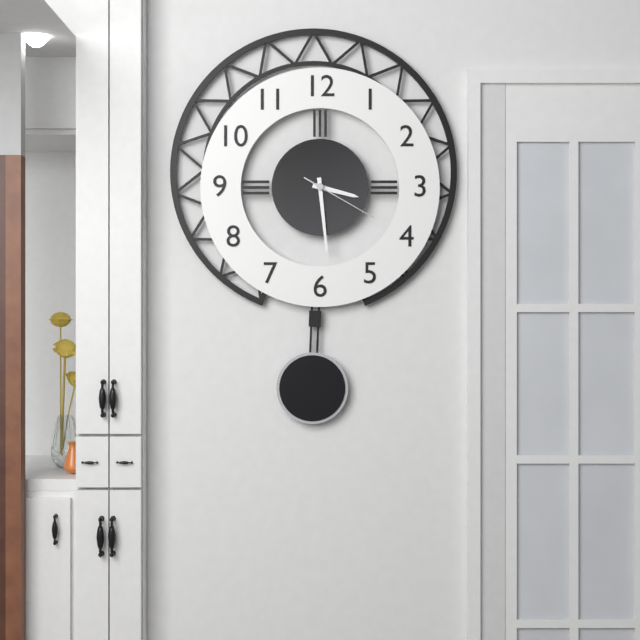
3h29m20s
